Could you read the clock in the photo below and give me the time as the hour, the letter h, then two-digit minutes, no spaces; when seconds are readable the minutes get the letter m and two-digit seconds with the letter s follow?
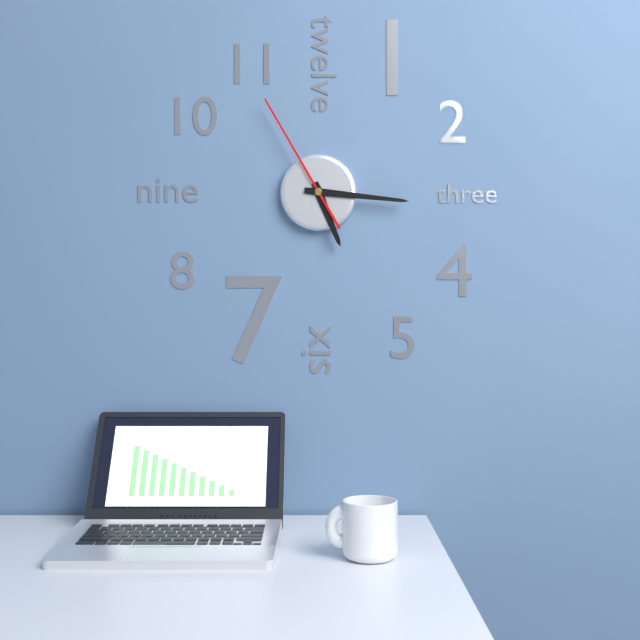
5h16m55s
